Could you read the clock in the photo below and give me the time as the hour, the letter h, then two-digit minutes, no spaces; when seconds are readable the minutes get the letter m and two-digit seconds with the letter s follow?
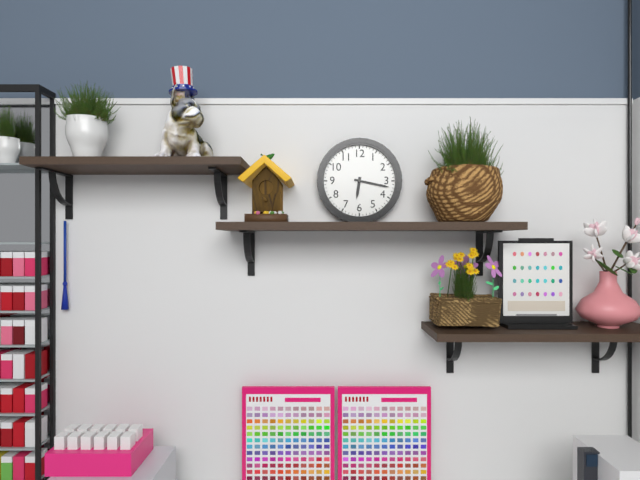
6h17
